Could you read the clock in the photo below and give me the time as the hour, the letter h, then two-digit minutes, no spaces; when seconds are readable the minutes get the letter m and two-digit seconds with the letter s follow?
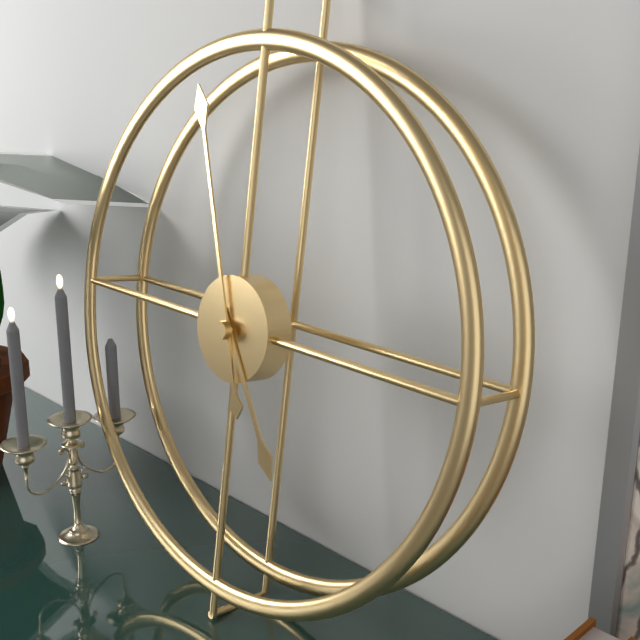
4h57
